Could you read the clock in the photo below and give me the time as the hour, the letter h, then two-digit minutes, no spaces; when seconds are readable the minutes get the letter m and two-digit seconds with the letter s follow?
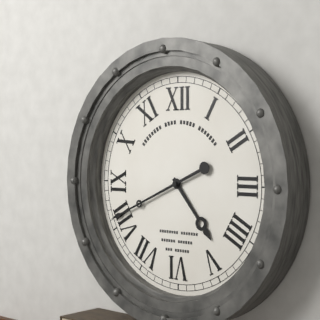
4h41
